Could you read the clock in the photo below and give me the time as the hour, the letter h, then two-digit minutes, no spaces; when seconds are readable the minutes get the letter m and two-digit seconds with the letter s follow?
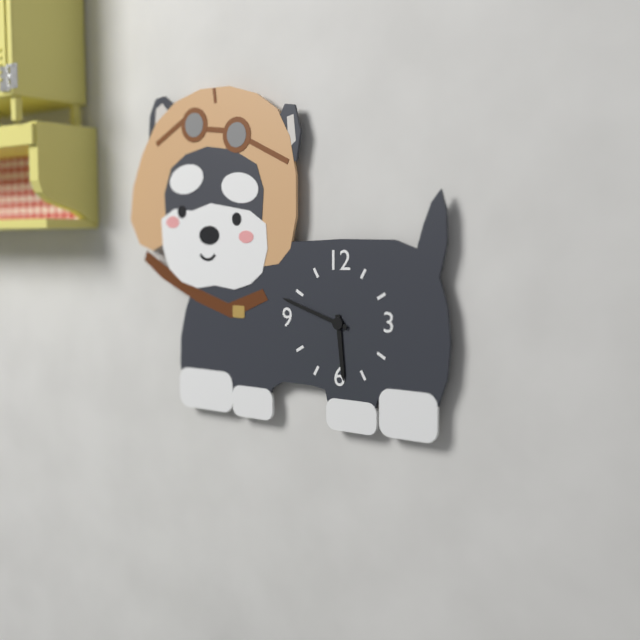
5h48
